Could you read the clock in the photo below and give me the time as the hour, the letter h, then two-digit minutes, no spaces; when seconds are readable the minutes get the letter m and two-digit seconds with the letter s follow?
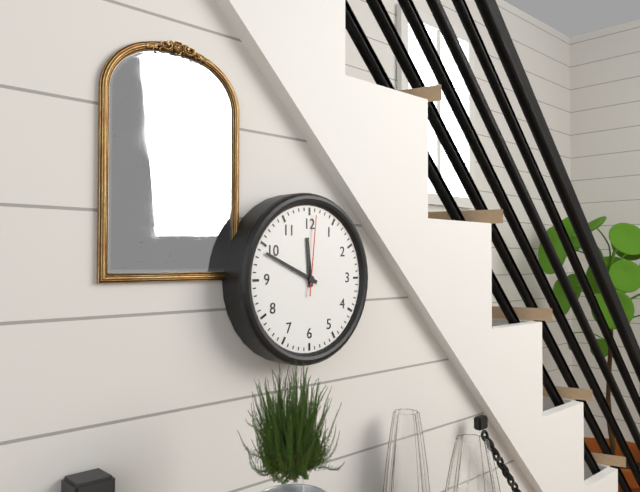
11h49m01s
